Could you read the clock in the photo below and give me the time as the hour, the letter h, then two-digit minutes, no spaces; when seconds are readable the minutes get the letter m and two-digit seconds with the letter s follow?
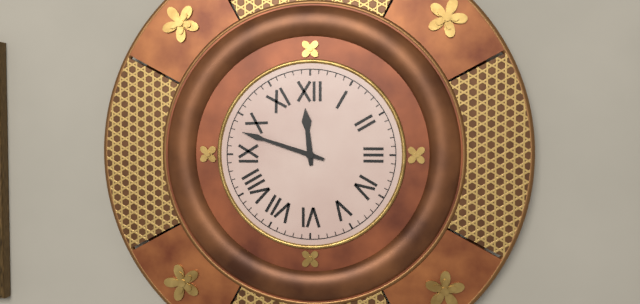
11h48
